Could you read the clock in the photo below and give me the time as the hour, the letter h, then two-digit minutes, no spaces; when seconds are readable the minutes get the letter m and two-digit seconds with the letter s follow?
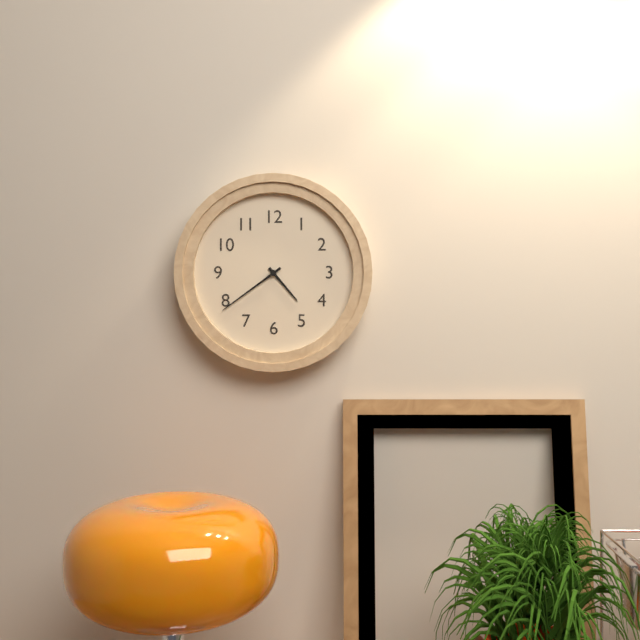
4h39
